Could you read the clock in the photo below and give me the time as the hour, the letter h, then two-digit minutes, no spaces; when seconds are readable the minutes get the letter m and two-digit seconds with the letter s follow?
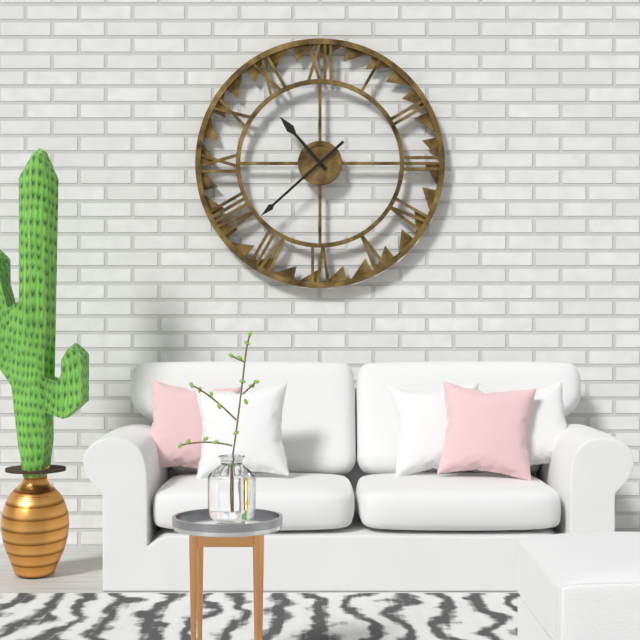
10h38
